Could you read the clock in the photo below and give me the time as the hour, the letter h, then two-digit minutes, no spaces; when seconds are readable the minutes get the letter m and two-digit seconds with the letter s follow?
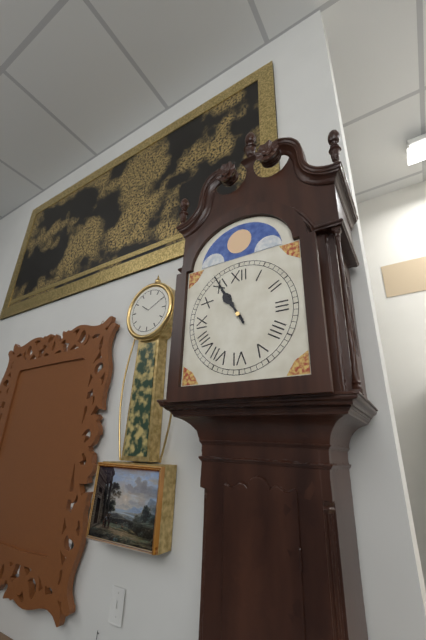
10h55
